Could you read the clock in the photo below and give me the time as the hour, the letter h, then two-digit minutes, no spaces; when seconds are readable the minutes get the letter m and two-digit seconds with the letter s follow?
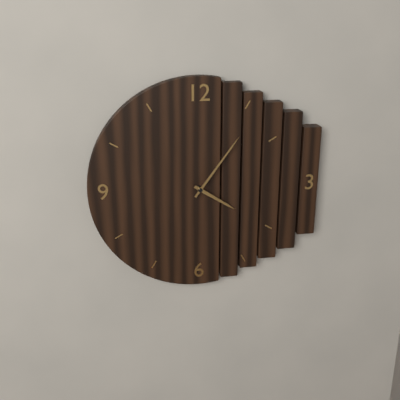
4h06
